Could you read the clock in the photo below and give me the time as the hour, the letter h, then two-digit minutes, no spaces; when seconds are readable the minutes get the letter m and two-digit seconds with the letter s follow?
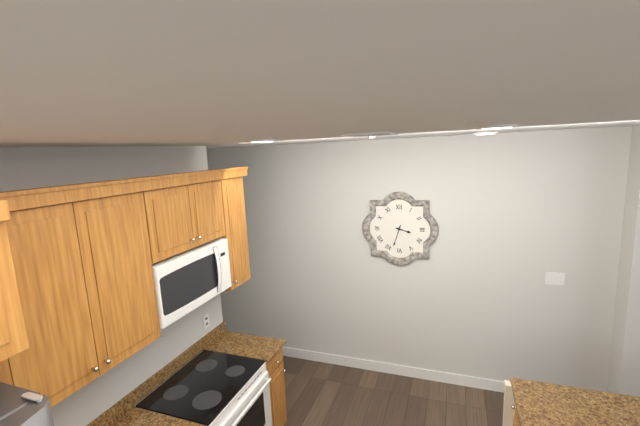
3h33
